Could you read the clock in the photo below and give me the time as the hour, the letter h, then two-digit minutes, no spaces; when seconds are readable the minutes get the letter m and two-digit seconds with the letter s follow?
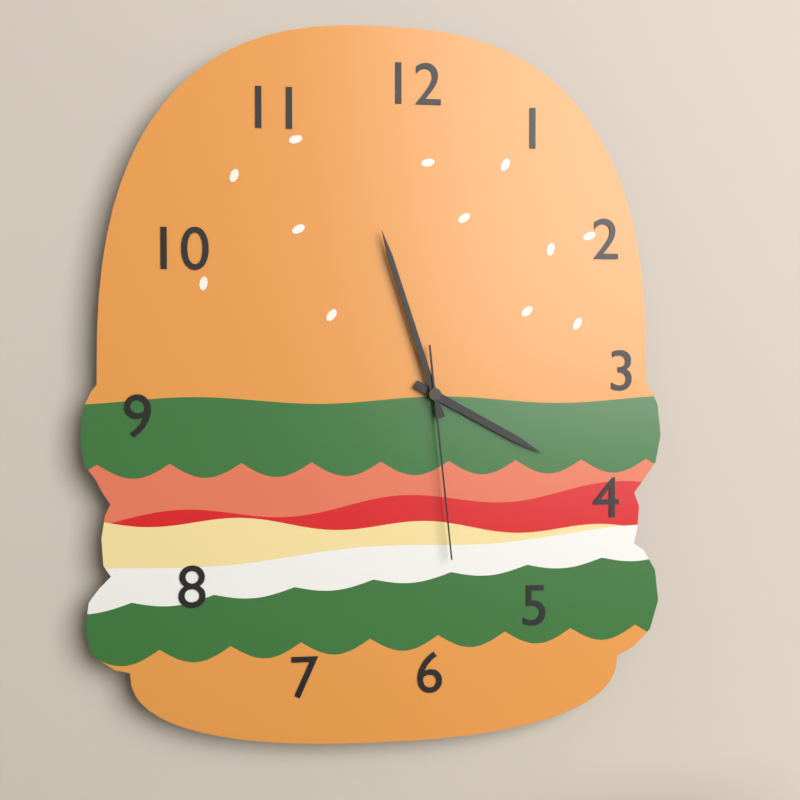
3h57m29s
